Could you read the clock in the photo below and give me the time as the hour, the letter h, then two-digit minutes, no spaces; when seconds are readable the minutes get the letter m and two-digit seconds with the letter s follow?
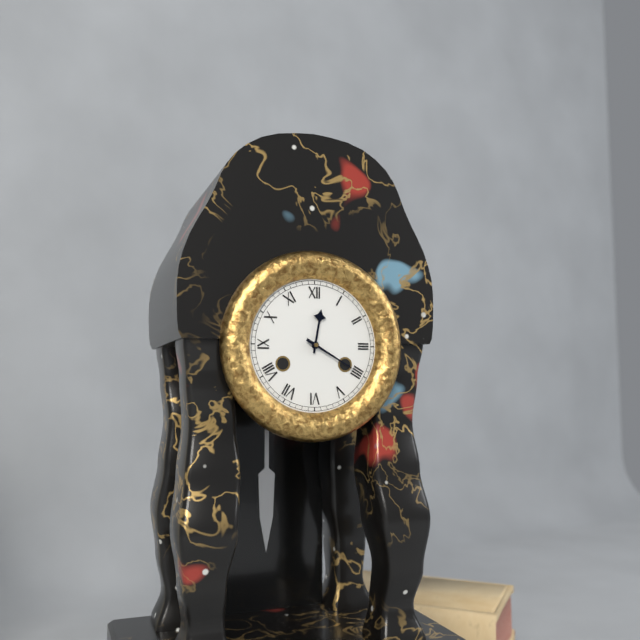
12h20
